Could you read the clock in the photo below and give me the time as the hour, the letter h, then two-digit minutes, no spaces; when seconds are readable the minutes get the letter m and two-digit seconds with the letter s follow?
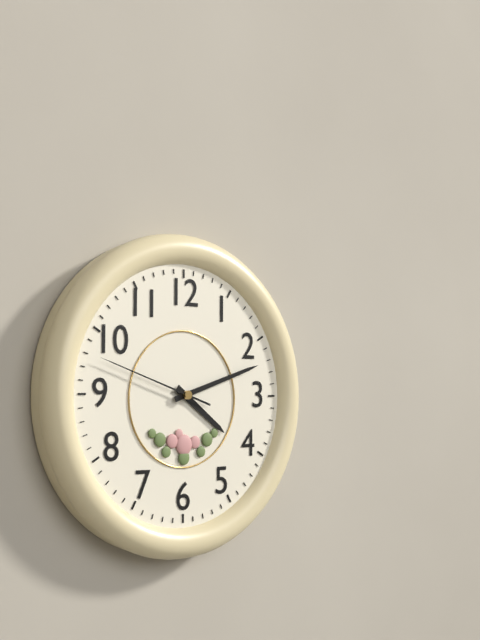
4h12m48s
